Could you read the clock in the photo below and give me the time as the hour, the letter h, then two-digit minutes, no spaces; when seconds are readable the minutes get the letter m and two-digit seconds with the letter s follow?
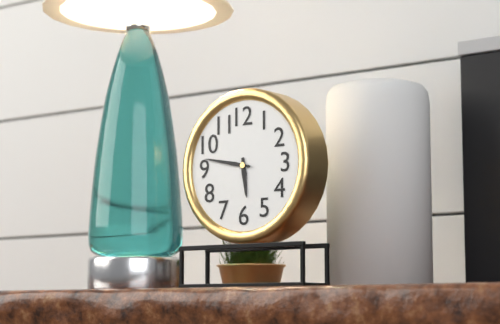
5h47
